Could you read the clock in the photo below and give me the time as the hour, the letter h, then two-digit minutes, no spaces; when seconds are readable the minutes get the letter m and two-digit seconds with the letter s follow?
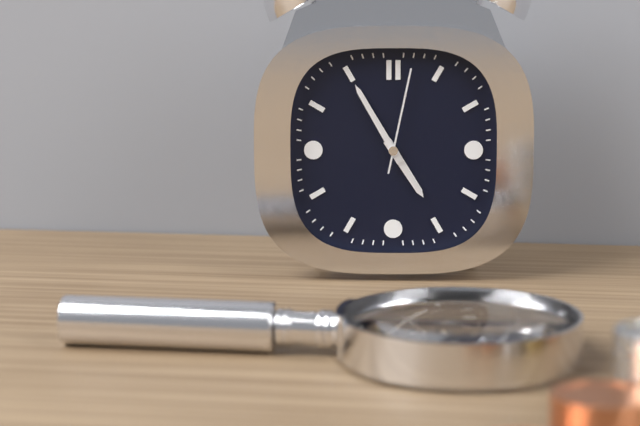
4h55m02s
